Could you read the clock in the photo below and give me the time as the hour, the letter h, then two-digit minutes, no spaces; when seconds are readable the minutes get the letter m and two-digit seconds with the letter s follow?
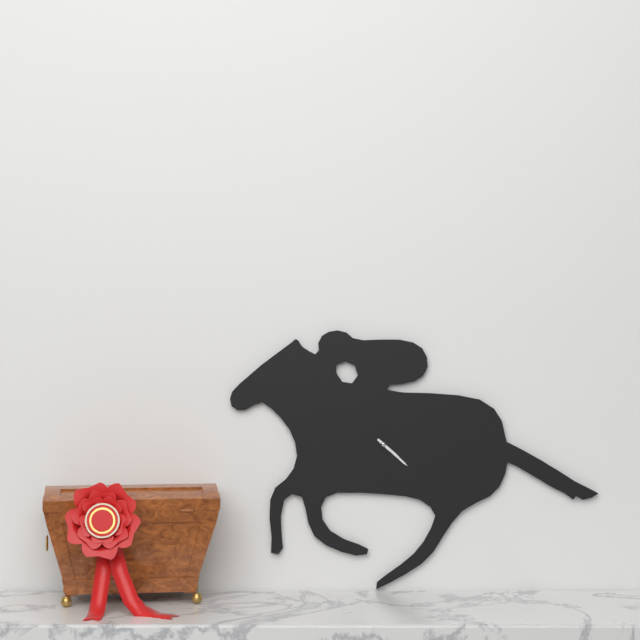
4h22
